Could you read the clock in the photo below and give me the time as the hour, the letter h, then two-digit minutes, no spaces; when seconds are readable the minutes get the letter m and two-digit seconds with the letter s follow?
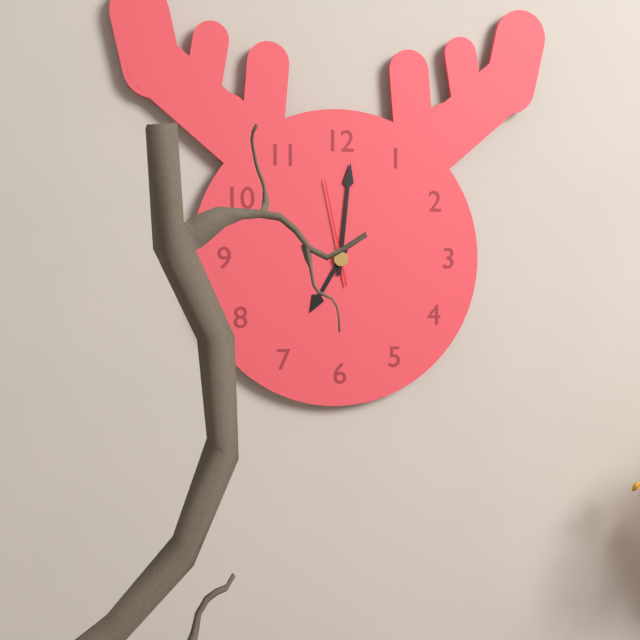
7h01m58s
